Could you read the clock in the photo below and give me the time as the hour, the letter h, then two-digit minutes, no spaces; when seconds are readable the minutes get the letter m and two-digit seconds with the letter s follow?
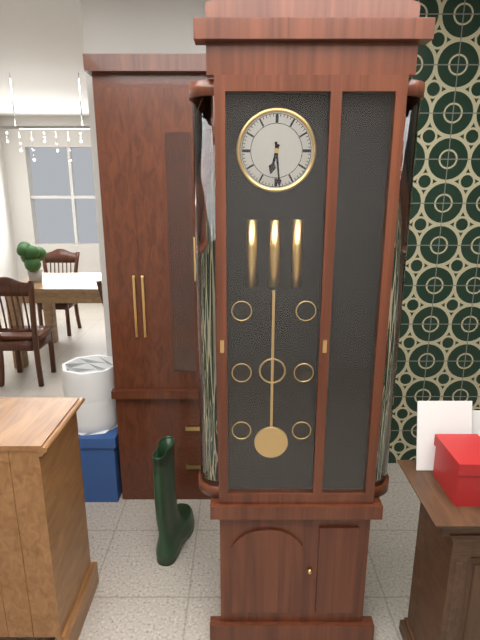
6h29
